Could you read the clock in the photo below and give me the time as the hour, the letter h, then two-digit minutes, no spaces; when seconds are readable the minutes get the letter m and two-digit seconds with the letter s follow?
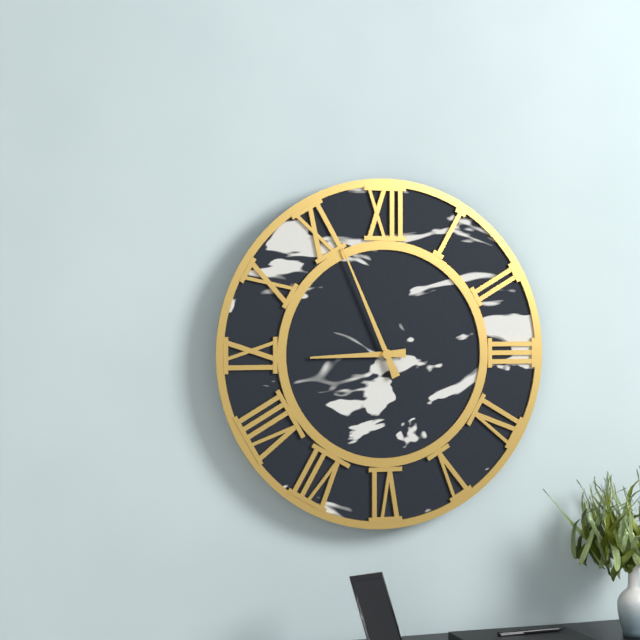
8h56
